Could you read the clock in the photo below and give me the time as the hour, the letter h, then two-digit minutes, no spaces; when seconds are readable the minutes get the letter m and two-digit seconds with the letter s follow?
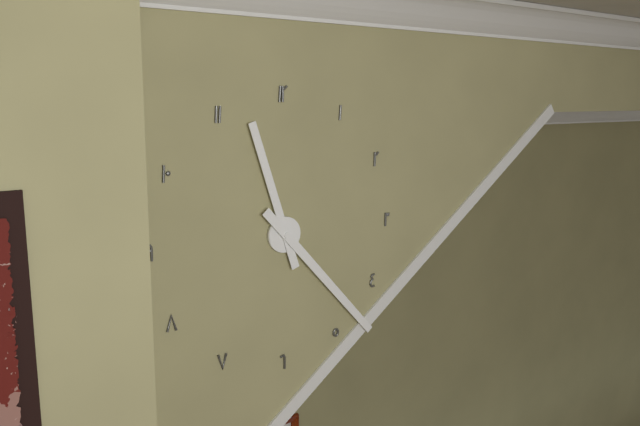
11h23
